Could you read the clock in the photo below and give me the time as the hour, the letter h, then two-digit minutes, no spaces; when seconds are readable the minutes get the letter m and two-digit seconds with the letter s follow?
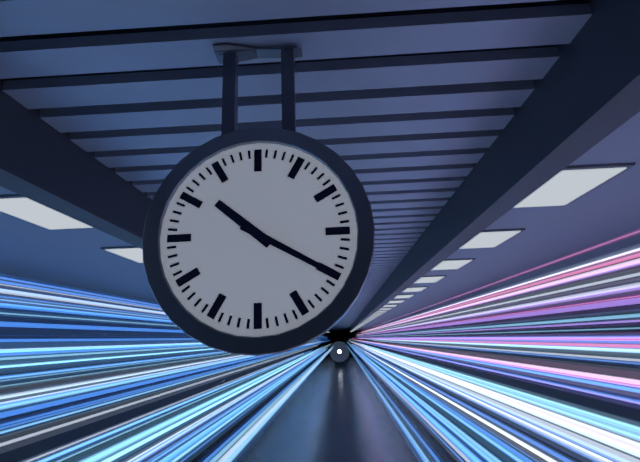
10h20
